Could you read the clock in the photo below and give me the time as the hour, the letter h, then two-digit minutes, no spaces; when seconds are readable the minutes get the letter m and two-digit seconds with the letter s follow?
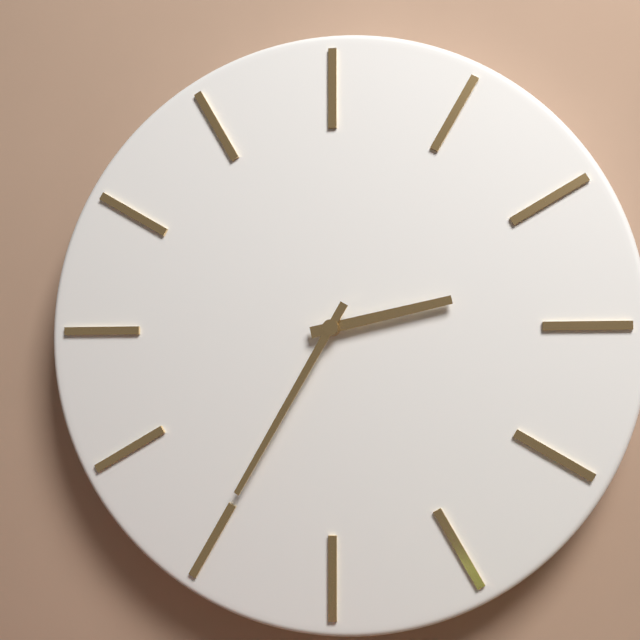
2h35
